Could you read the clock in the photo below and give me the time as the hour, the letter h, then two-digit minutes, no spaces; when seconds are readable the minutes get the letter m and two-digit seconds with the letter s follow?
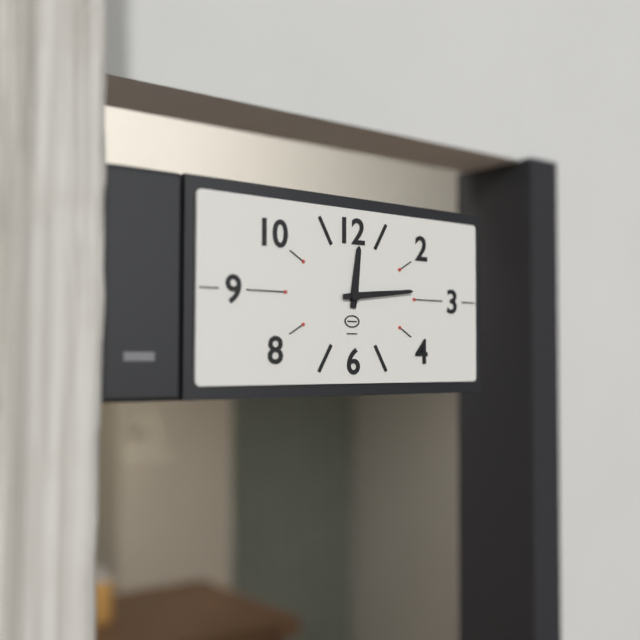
12h14
